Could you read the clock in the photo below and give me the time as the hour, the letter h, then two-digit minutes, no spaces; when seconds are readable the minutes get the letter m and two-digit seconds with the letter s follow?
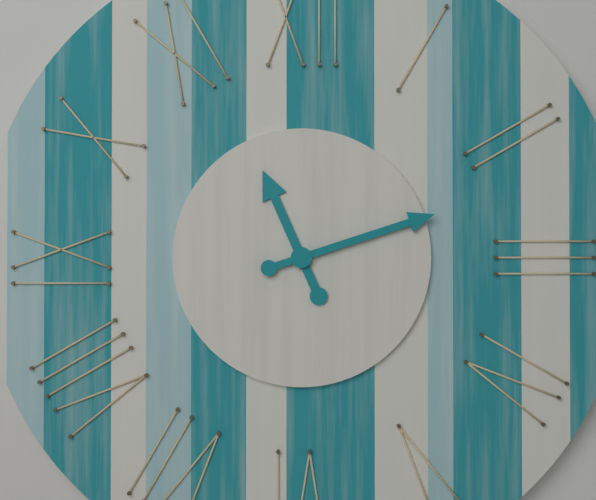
11h12
